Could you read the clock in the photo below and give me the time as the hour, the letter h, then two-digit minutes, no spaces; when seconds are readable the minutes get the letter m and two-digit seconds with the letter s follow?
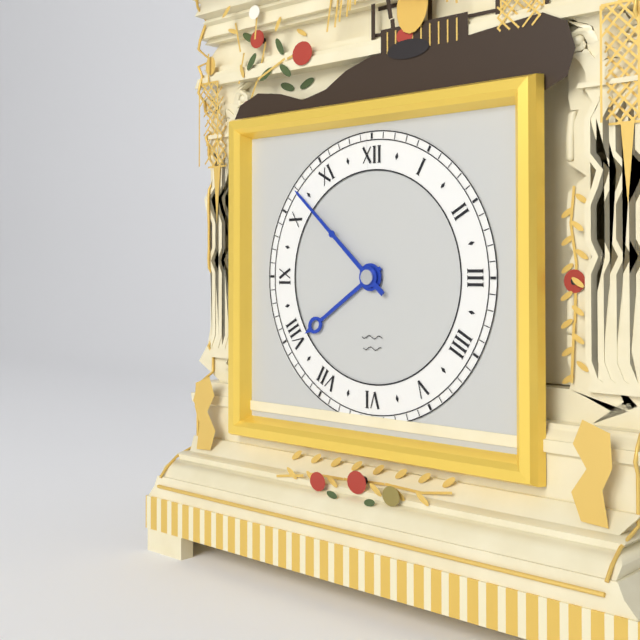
7h52
